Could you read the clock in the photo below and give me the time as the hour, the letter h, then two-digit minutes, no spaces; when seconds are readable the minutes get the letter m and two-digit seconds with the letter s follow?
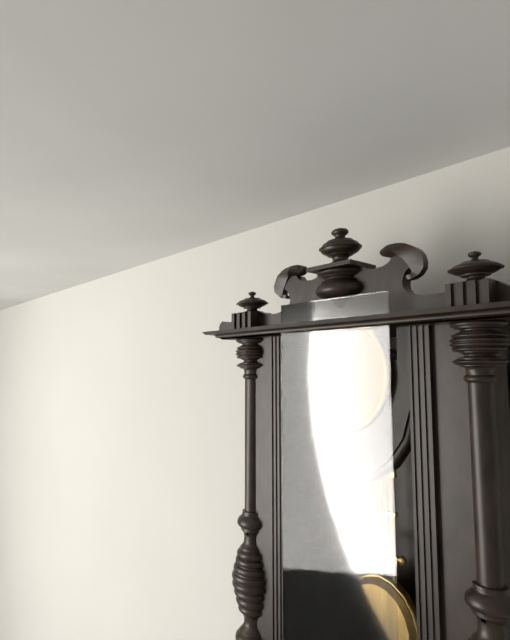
8h12
